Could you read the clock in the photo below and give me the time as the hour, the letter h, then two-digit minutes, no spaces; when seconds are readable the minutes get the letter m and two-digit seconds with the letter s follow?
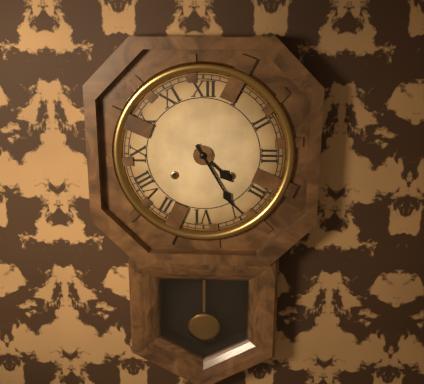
4h25
